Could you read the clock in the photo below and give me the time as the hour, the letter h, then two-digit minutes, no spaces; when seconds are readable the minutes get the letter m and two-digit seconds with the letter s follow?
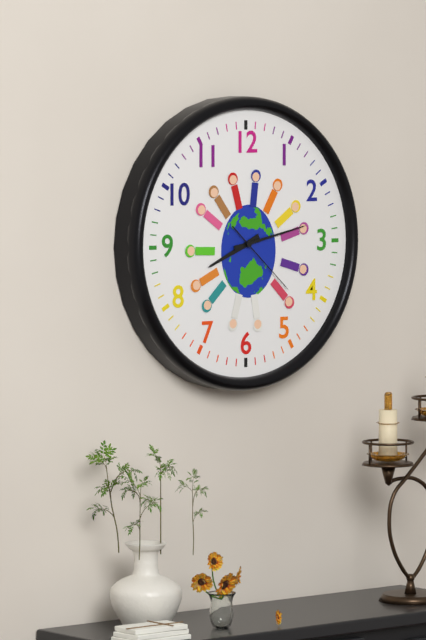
8h13m22s
